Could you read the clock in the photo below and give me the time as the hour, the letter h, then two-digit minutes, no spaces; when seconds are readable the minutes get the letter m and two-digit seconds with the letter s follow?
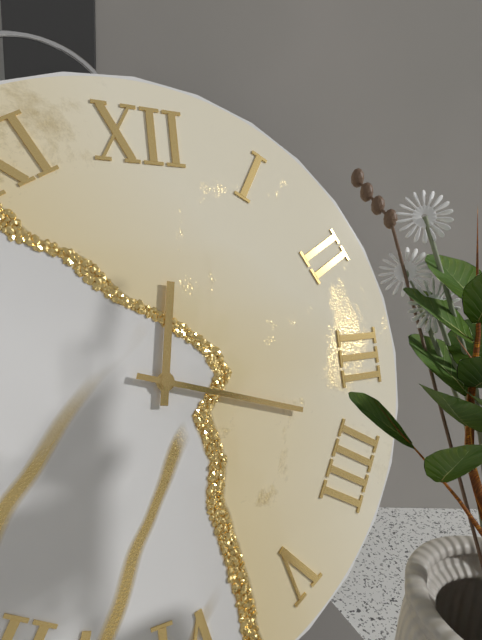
12h18
